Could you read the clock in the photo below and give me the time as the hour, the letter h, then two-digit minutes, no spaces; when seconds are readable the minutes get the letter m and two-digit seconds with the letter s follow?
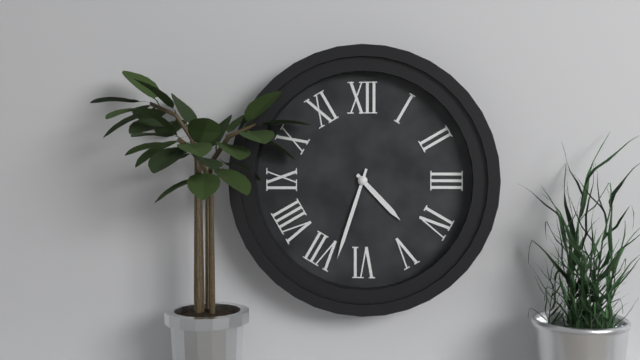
4h33
